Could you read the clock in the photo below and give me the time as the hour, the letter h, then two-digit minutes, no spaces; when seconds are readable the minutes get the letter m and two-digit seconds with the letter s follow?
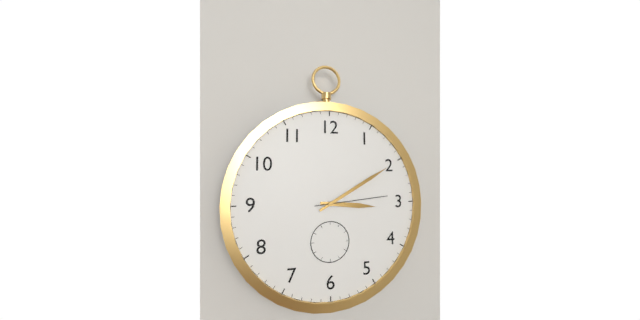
3h10m14s
